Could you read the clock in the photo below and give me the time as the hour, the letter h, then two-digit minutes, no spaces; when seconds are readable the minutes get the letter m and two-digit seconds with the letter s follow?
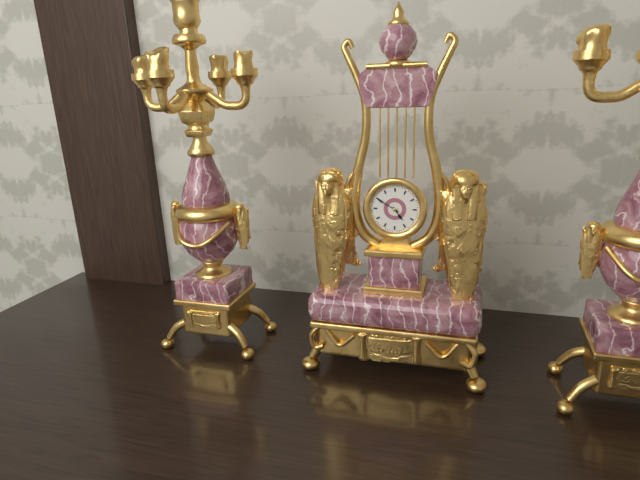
4h50
